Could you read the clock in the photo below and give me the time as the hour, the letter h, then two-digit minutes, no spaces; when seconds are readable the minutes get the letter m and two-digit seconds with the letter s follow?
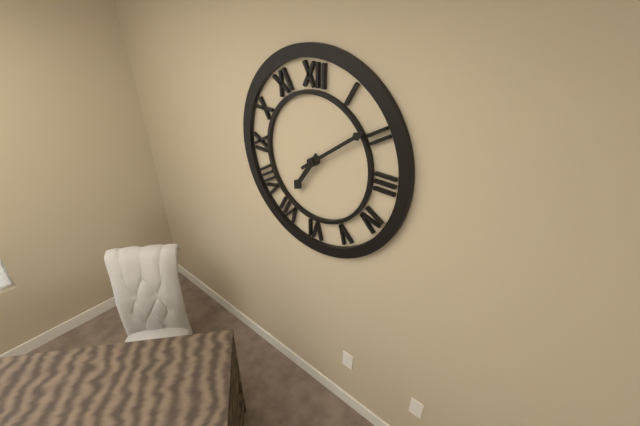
7h09
